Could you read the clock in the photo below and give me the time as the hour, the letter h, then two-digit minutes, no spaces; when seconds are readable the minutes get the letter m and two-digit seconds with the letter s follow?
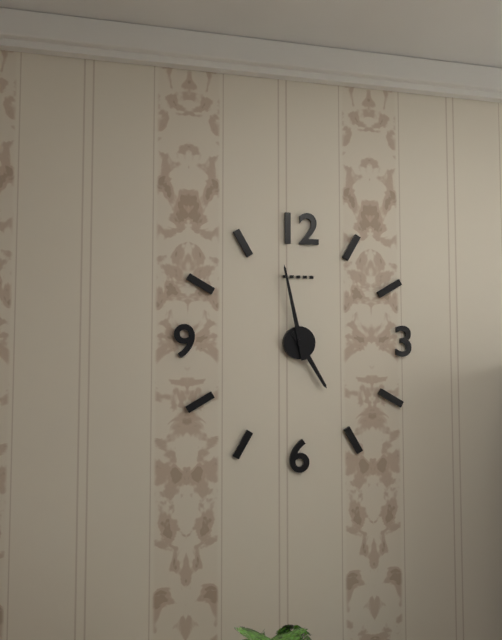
4h58
